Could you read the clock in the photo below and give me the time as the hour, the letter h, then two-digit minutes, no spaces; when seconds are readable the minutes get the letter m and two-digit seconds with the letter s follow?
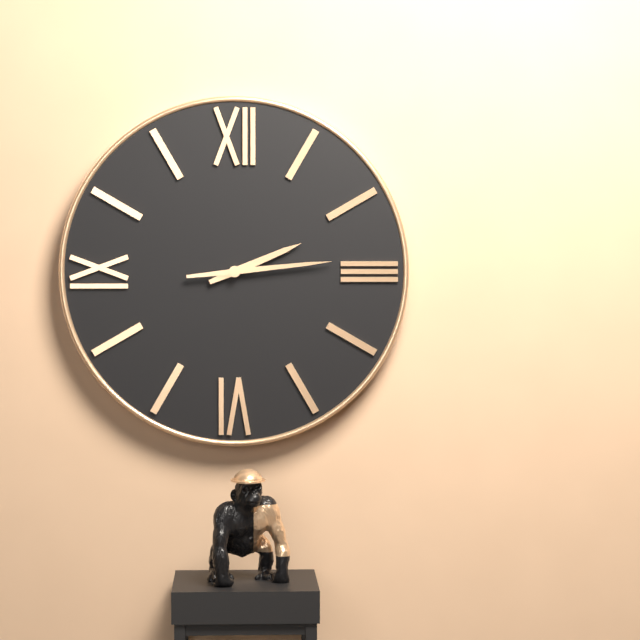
2h14
